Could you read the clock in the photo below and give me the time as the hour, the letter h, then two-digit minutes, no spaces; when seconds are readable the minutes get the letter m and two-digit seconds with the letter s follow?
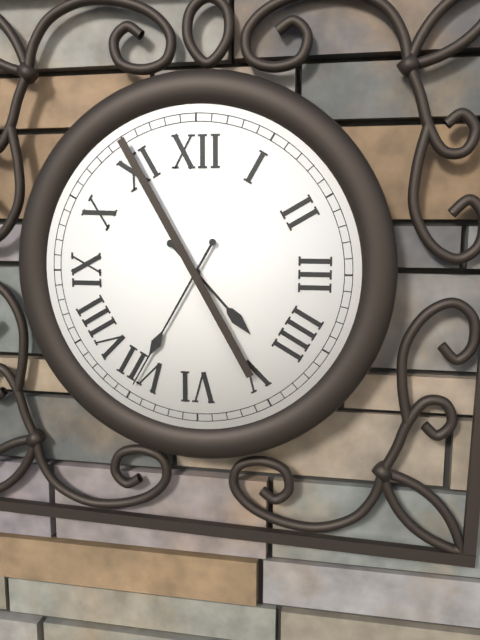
4h35
